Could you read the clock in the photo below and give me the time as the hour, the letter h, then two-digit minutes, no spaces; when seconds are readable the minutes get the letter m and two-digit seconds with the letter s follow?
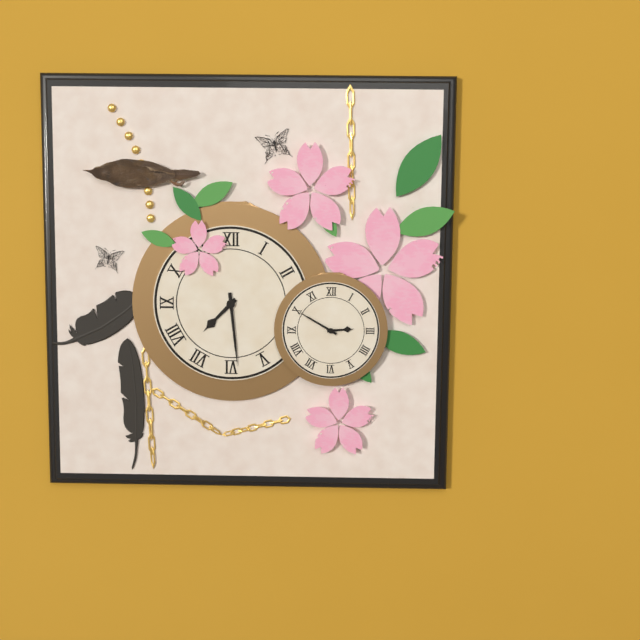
7h29
